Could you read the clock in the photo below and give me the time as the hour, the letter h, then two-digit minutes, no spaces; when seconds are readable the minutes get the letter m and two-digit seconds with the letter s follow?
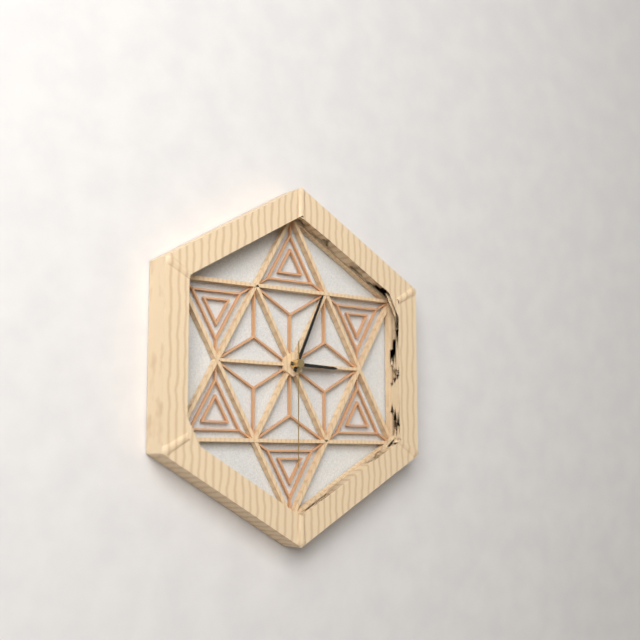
3h04m30s
